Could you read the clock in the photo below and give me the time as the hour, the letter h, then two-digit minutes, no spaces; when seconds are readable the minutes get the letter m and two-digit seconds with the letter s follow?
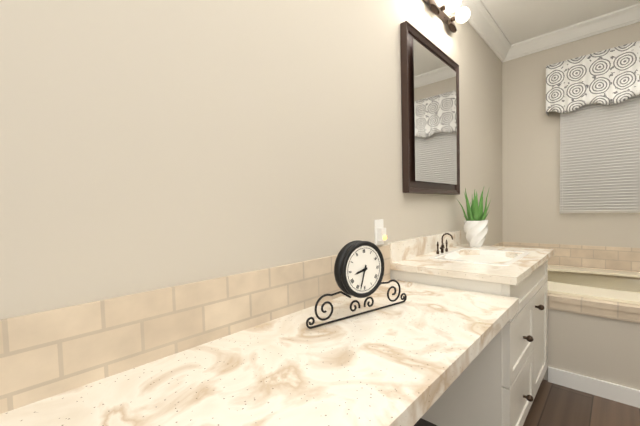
8h33
